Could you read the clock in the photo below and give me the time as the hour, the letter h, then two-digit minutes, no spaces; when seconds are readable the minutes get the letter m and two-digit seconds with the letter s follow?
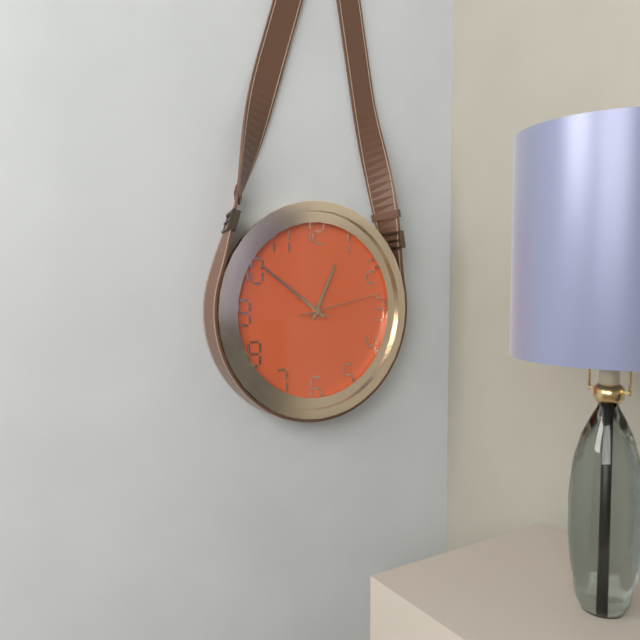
12h51m13s
